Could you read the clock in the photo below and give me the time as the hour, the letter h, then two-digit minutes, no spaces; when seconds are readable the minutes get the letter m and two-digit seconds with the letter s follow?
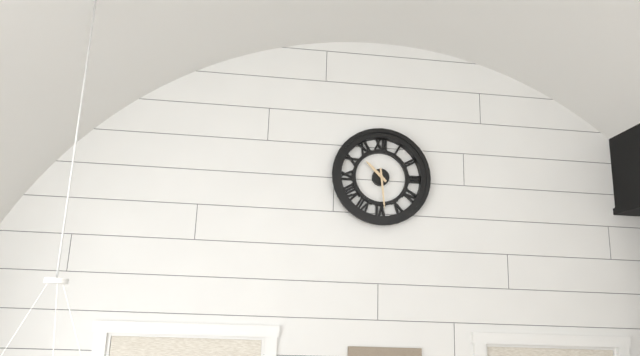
10h29
